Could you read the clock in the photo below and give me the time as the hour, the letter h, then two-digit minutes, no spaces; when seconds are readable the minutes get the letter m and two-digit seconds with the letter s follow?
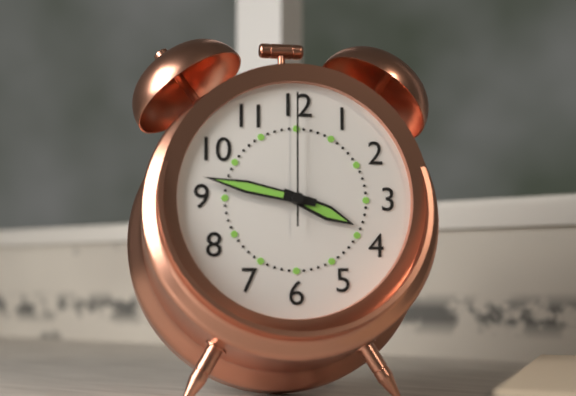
3h47m00s
